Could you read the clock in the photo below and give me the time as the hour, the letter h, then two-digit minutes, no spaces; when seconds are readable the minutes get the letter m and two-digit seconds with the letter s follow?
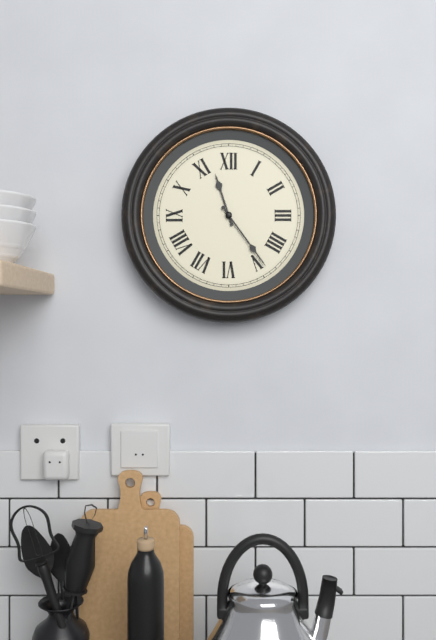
11h24
